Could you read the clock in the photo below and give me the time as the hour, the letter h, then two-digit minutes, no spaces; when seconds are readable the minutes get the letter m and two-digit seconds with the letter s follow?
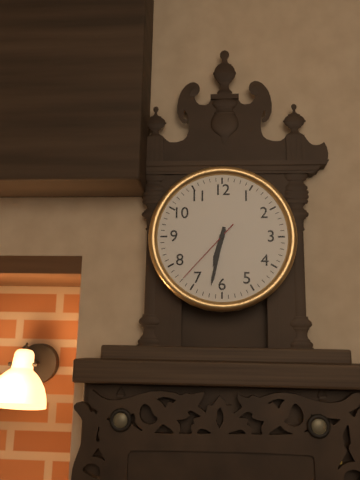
6h32m37s
